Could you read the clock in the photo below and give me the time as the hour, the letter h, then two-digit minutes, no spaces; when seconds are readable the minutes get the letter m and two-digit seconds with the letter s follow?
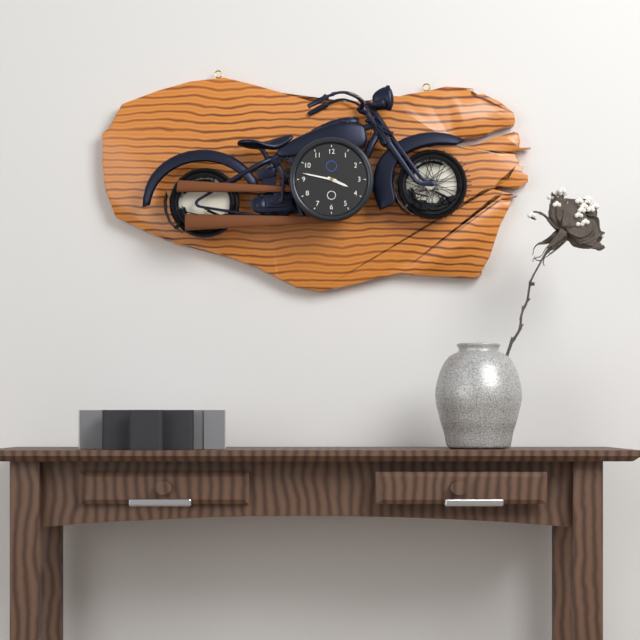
3h47
